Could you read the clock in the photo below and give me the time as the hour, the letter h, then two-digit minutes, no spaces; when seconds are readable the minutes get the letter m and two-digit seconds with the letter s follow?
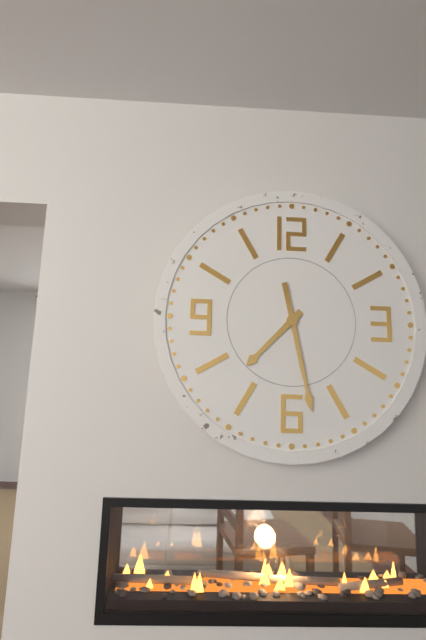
7h28
